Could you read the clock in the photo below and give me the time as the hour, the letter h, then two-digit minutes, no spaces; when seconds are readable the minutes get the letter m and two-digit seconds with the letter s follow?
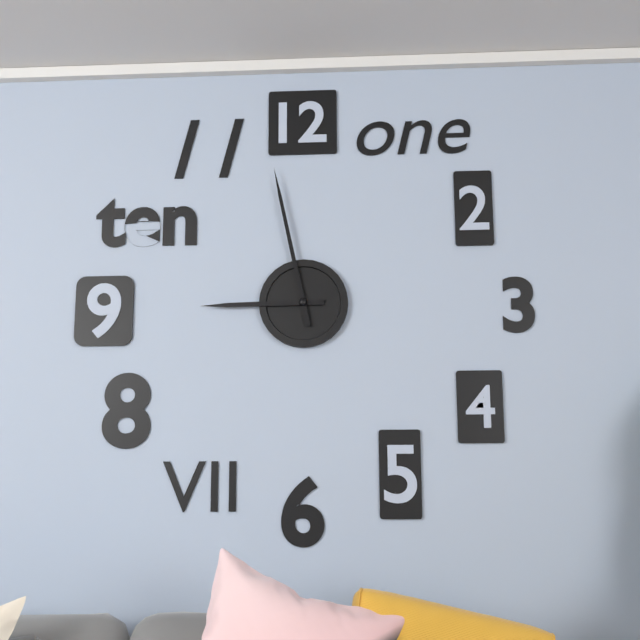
8h58
